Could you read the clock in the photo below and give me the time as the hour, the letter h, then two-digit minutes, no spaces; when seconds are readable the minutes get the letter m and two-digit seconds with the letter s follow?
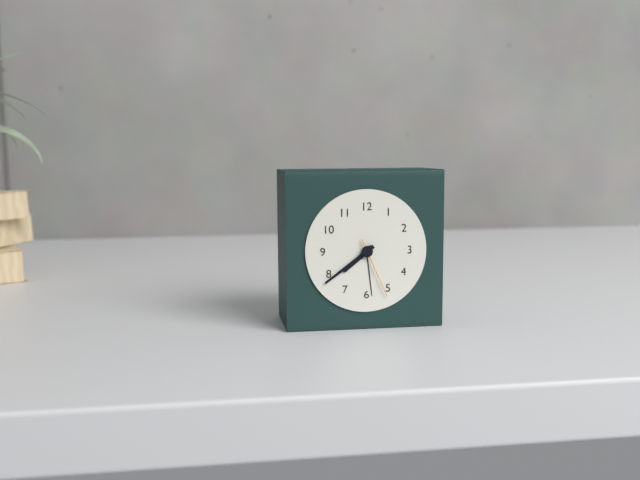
7h39m26s
